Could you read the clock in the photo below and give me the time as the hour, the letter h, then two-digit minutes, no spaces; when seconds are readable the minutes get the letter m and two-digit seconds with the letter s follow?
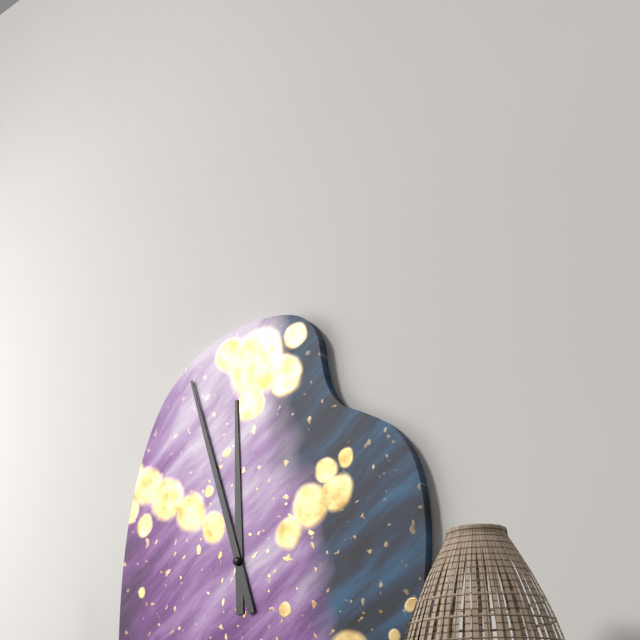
11h57
